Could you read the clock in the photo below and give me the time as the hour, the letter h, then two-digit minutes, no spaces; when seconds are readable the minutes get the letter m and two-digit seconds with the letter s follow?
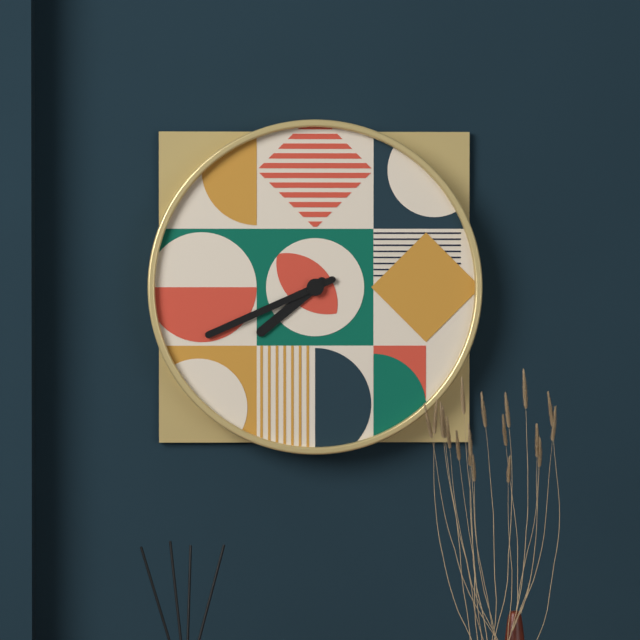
7h41
